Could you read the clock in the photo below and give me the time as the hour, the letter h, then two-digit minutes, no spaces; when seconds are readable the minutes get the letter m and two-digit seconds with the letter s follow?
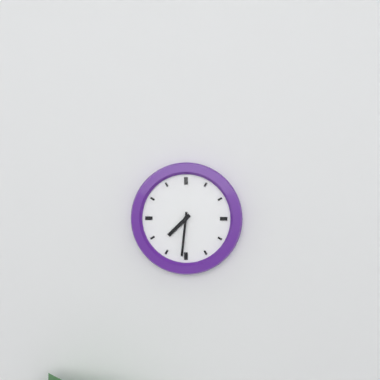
7h31
